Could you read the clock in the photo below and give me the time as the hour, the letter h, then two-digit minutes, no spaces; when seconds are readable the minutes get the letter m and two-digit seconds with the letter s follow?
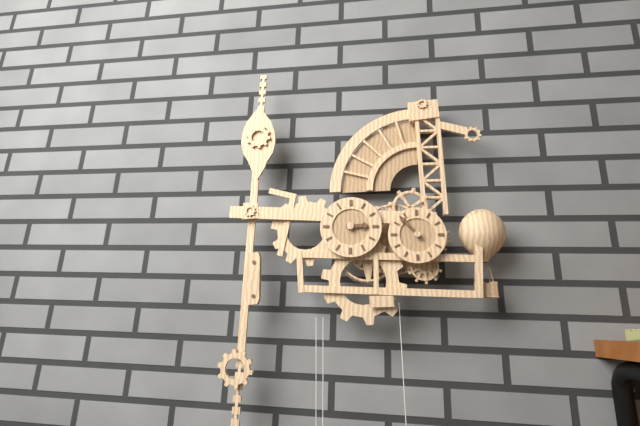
2h53
